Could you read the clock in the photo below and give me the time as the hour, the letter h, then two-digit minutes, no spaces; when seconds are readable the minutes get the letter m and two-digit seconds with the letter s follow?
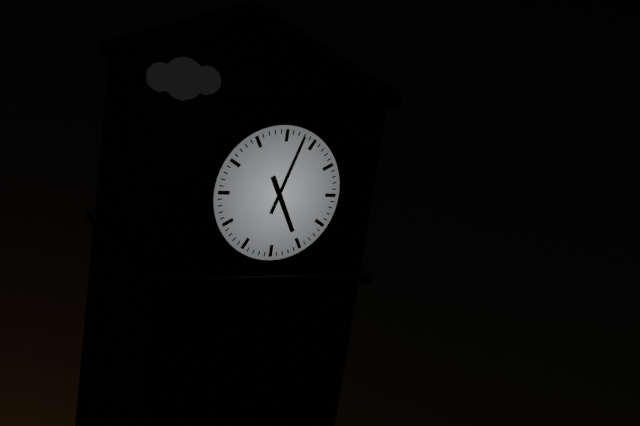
5h03
